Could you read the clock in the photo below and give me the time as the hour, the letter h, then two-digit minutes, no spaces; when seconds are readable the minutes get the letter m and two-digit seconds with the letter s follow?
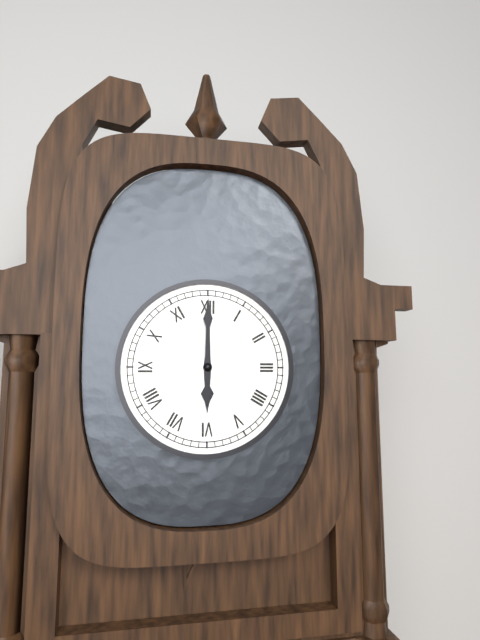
6h00
